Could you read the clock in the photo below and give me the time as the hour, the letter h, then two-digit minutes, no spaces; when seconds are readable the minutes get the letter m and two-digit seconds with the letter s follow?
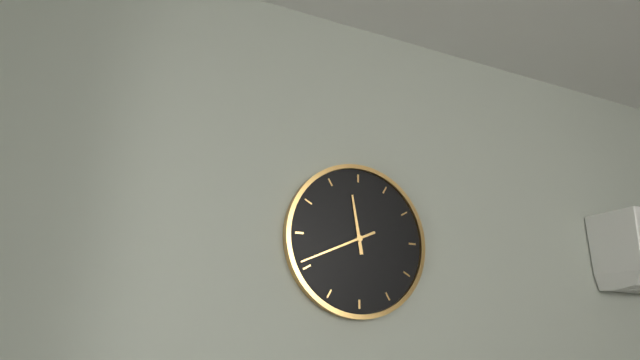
11h41
